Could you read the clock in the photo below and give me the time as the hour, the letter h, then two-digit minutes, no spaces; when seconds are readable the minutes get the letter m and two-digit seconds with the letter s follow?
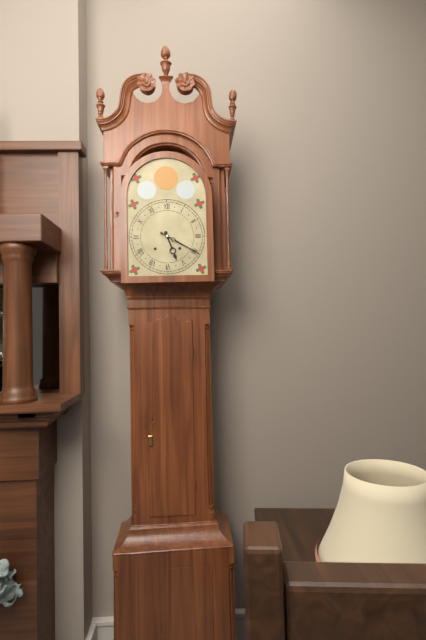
5h20
